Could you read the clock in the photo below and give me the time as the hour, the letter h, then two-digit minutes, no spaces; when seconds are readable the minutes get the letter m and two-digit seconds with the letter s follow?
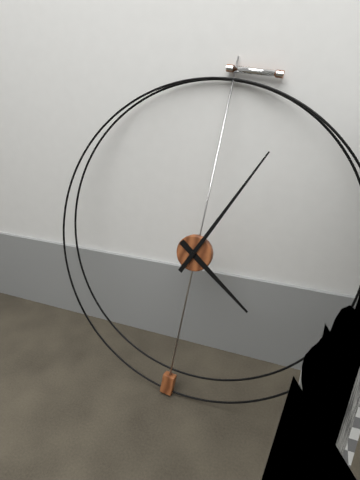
4h04
